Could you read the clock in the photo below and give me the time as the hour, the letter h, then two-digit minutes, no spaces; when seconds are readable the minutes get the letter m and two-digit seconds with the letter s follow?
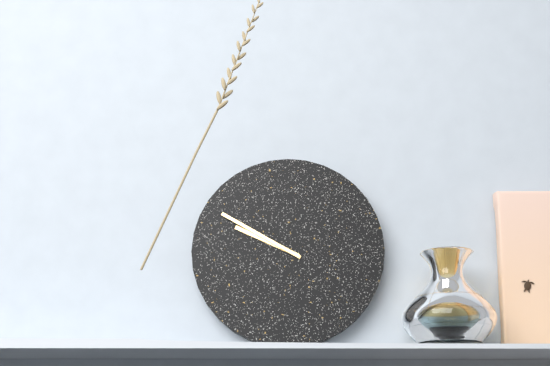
9h50
